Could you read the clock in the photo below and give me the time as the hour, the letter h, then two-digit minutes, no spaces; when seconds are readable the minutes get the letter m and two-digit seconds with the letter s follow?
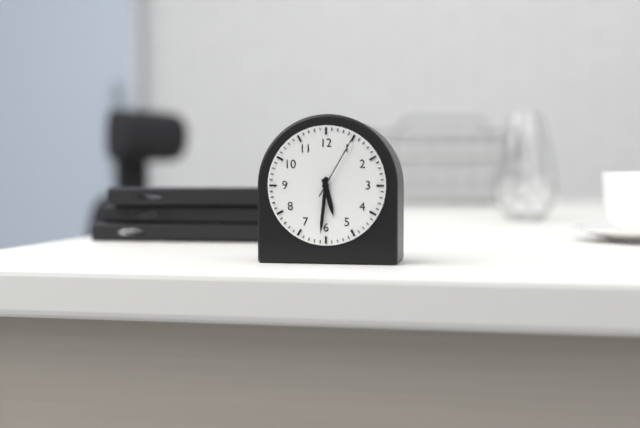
5h31m05s
